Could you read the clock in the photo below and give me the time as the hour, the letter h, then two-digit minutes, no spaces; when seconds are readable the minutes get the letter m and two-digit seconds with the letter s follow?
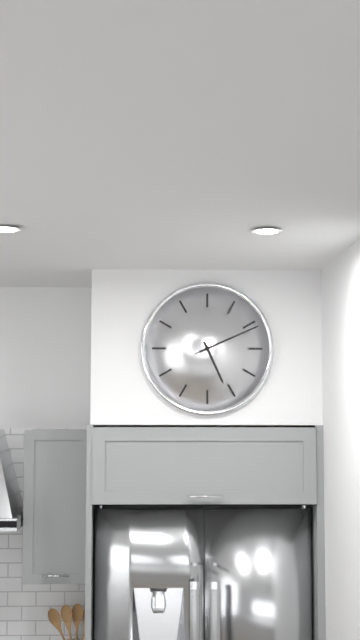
5h11m11s
